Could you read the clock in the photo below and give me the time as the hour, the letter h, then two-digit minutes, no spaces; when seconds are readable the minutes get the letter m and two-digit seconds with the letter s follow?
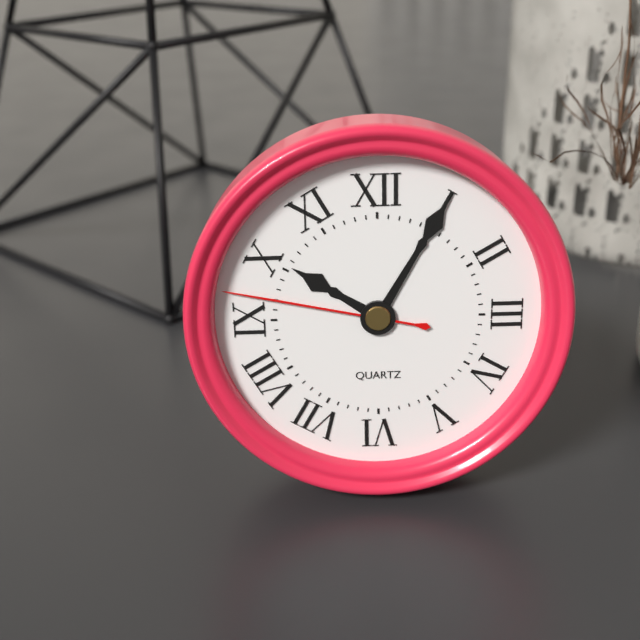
10h05m47s
